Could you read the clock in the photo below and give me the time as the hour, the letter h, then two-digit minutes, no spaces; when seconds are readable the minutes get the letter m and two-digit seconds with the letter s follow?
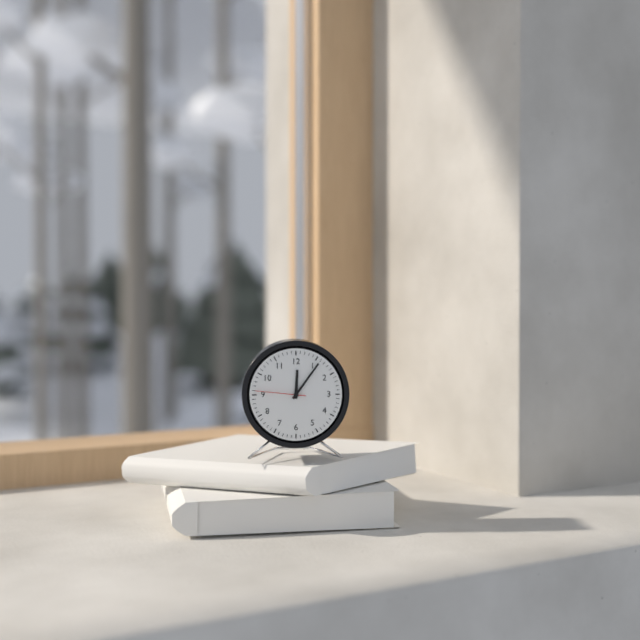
12h06m46s
